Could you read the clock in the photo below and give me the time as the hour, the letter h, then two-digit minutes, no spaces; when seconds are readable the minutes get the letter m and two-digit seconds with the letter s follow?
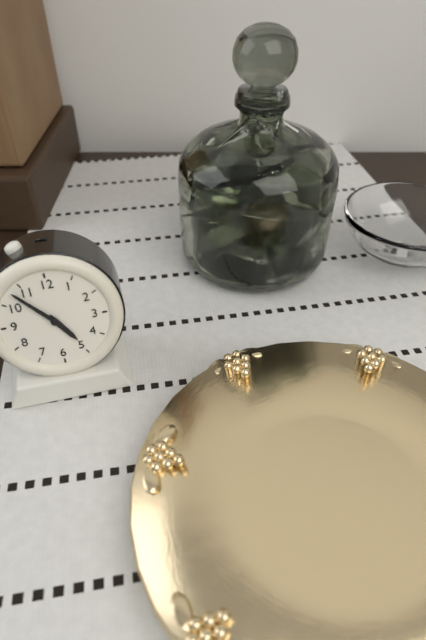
4h53
